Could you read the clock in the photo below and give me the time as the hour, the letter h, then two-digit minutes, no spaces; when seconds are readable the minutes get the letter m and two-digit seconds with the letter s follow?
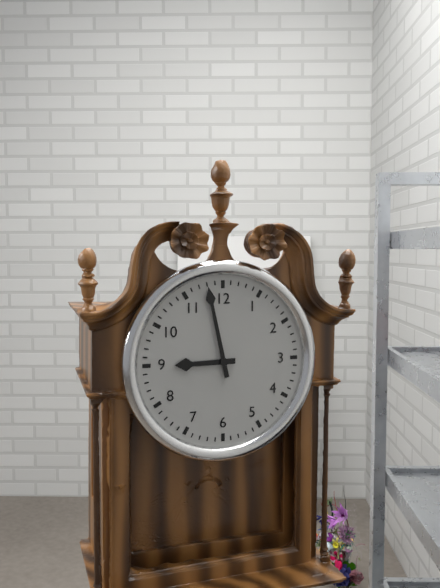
8h58
